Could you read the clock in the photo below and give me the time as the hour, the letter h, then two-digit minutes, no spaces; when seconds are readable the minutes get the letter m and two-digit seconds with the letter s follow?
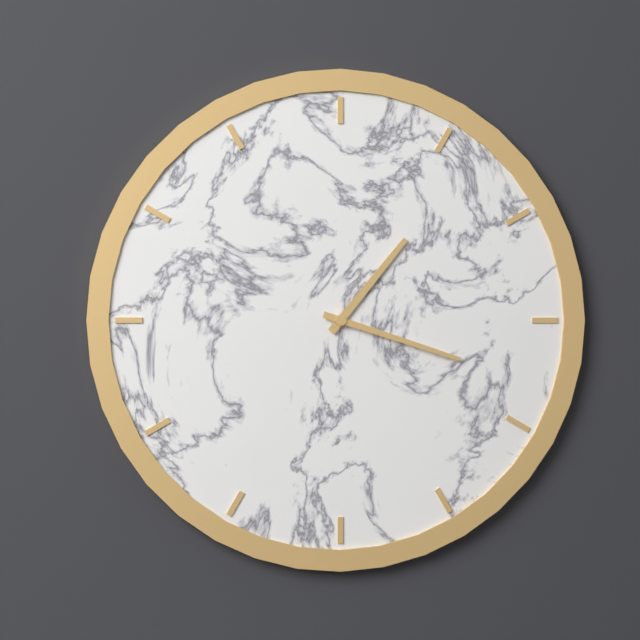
1h18
